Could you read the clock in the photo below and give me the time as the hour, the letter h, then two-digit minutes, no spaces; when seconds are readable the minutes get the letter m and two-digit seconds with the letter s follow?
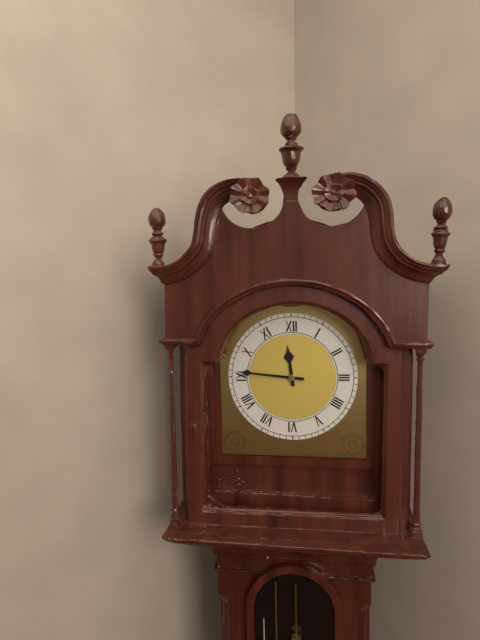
11h46
